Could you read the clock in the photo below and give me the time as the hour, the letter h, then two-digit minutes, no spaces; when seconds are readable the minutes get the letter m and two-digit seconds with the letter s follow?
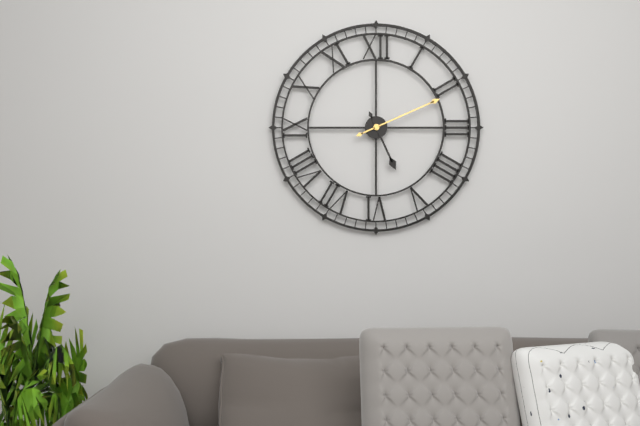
5h11
